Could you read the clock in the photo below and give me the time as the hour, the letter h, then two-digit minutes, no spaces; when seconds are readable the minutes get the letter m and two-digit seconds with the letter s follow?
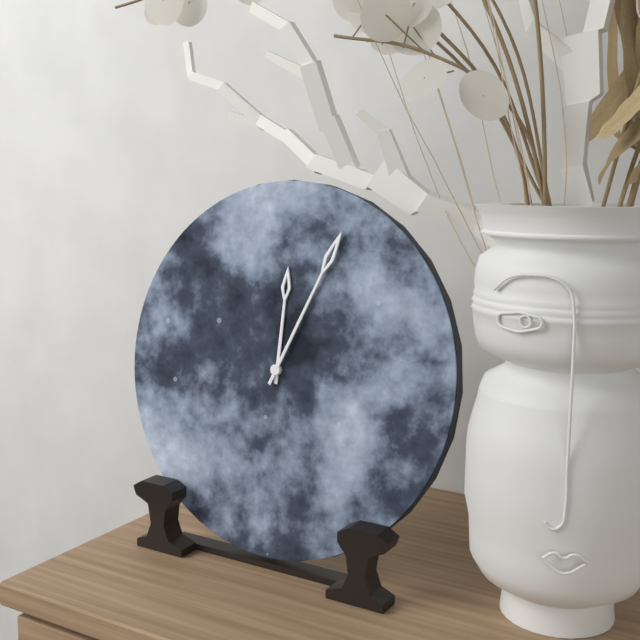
12h04
